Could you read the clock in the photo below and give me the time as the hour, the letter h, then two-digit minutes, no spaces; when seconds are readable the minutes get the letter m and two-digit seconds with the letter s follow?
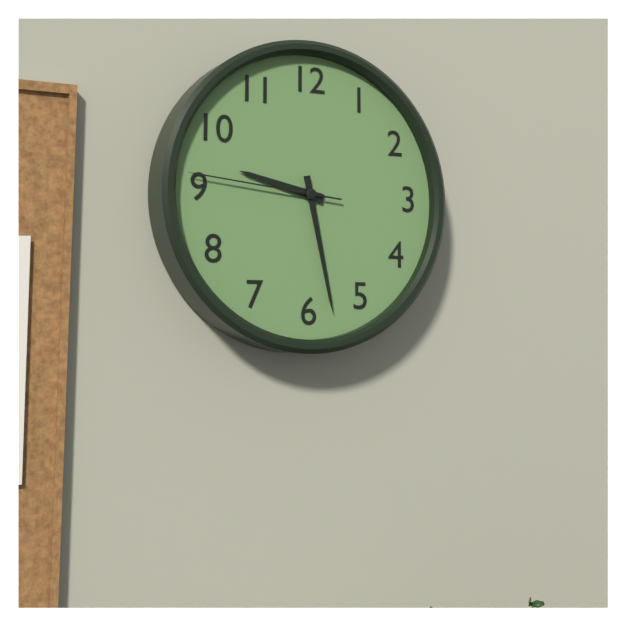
9h28m46s
